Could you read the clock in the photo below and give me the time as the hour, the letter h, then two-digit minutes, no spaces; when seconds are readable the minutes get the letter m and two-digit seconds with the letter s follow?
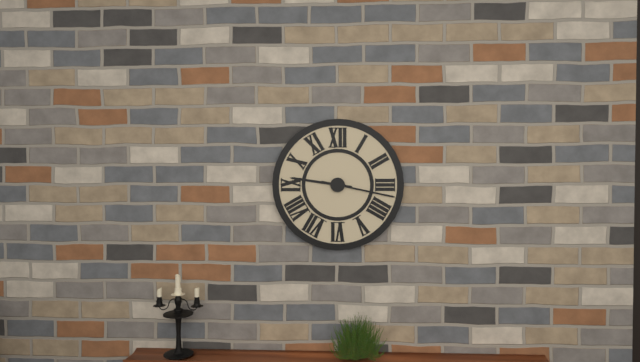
9h17
